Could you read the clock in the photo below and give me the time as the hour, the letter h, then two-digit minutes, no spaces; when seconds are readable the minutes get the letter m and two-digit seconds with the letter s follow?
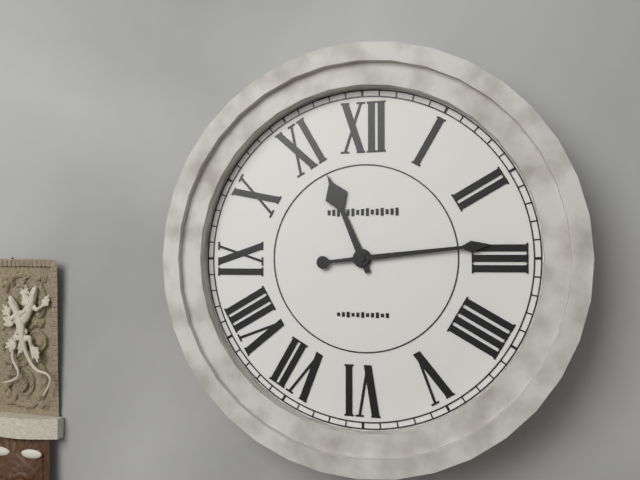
11h14
